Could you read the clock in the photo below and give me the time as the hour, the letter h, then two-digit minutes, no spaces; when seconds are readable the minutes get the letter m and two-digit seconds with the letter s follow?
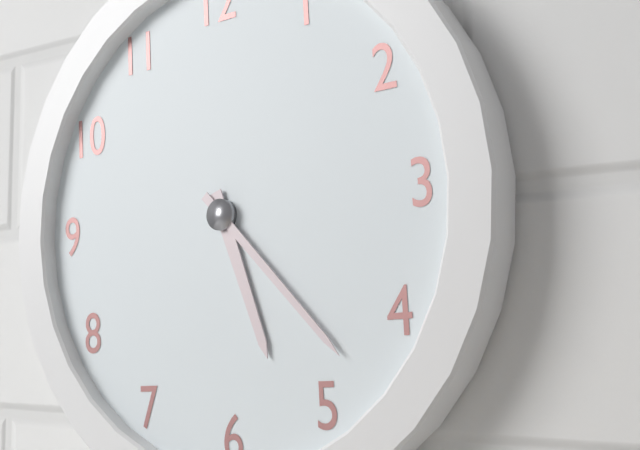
5h23
